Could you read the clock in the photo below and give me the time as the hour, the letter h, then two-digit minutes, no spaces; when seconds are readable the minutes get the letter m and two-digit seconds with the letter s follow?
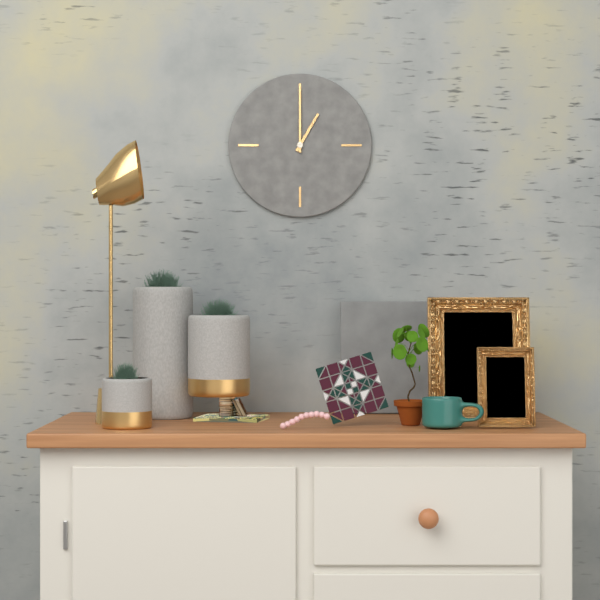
1h00
